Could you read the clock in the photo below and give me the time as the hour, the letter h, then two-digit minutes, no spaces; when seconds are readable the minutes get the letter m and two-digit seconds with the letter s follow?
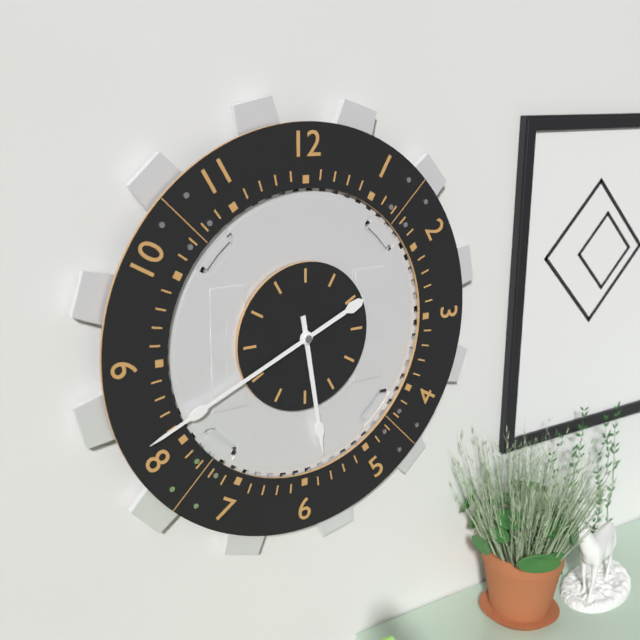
5h41
